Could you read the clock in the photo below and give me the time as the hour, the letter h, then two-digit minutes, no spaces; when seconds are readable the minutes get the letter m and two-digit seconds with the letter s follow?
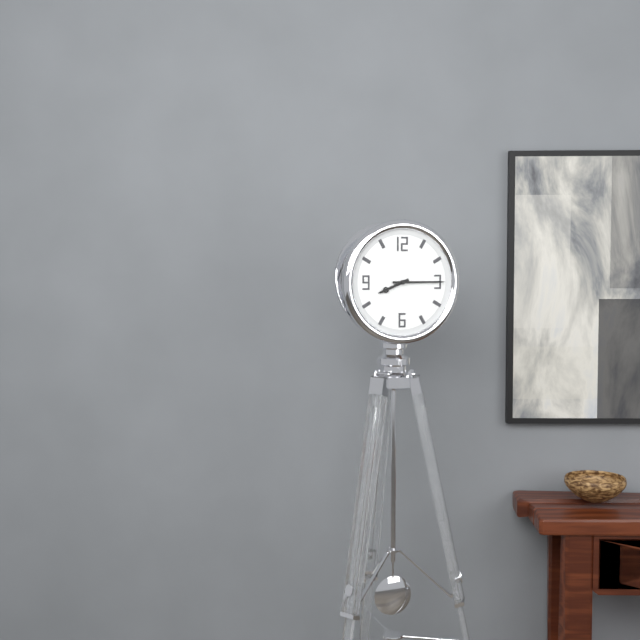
8h15
